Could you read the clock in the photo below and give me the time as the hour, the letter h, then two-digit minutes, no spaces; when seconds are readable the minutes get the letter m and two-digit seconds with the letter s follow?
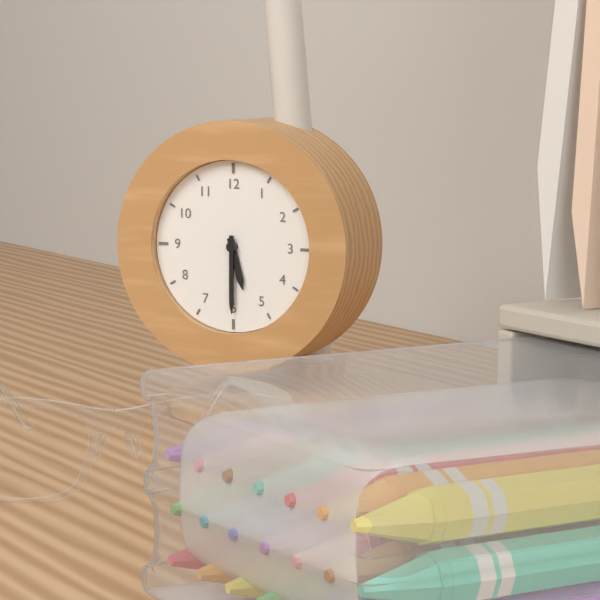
5h30
